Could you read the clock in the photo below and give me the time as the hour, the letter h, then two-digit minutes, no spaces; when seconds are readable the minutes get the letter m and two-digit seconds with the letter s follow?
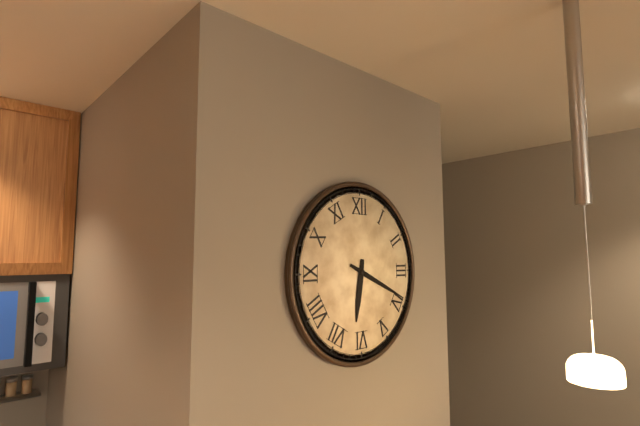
6h19
